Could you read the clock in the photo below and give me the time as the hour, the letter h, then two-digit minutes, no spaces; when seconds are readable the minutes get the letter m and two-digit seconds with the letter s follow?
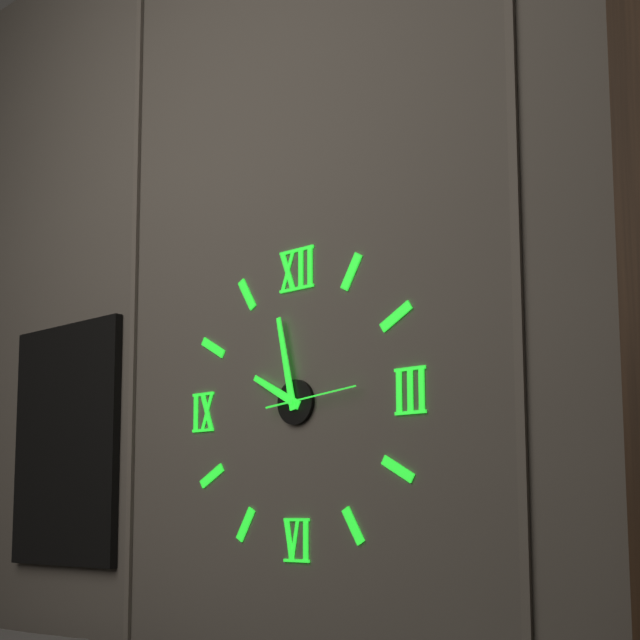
9h58m14s
